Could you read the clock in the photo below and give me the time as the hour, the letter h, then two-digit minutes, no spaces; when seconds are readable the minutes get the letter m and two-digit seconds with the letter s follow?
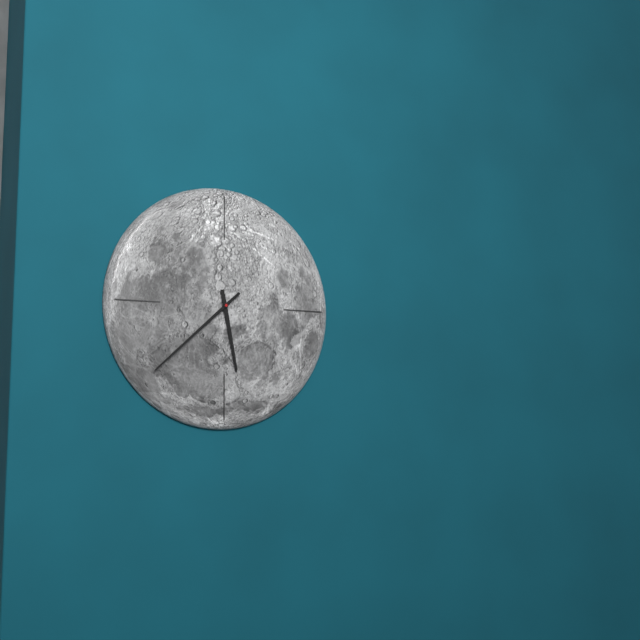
5h38
